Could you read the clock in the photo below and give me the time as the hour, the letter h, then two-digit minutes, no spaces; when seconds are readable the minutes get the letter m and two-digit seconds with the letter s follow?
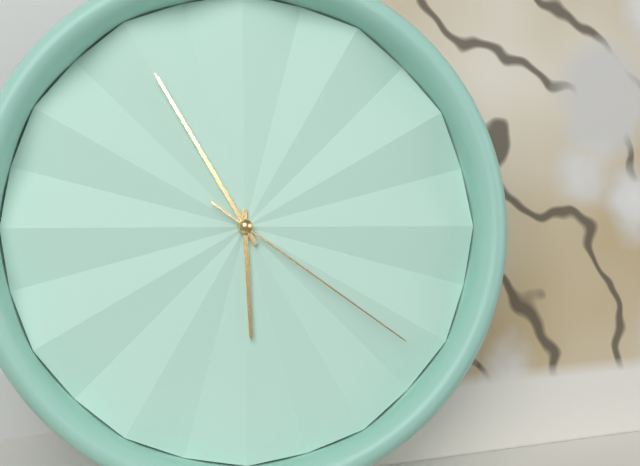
5h55m21s
